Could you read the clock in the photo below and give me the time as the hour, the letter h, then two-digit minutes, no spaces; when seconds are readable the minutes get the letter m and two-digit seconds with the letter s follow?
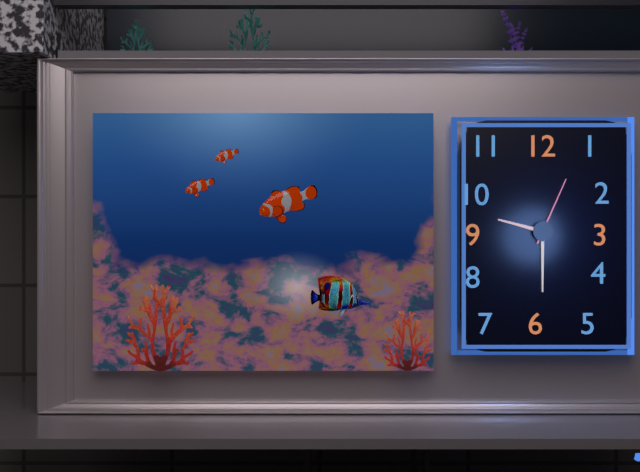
9h30m04s
